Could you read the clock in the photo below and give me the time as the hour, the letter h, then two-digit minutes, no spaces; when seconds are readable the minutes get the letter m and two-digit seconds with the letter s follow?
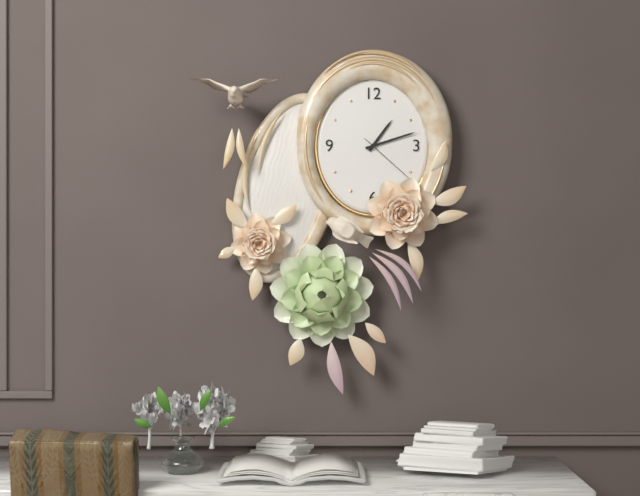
1h12m22s
